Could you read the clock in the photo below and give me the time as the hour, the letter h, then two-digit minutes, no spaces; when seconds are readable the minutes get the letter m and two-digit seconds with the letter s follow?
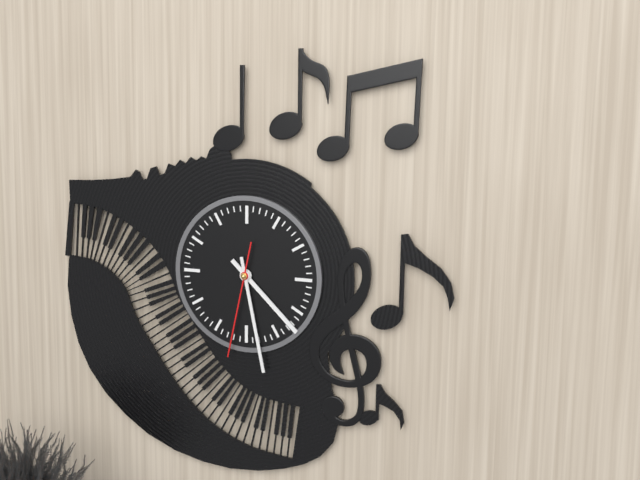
4h28m32s
